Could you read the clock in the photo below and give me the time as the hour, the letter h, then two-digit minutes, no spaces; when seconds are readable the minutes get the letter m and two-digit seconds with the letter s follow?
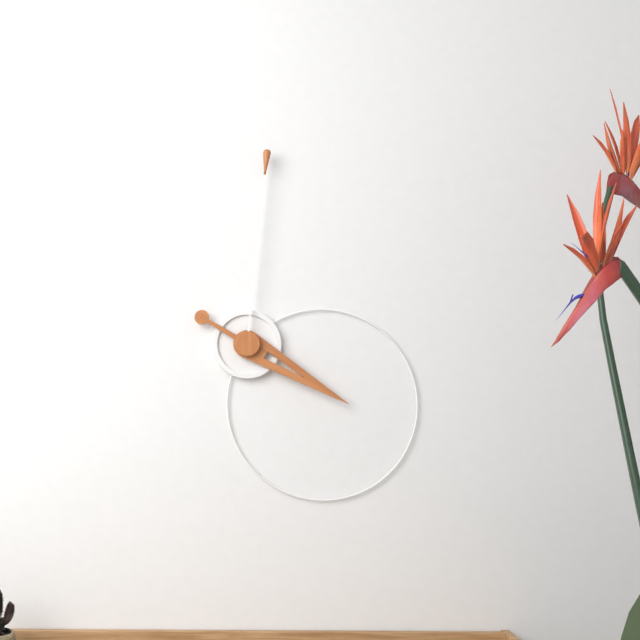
4h01
